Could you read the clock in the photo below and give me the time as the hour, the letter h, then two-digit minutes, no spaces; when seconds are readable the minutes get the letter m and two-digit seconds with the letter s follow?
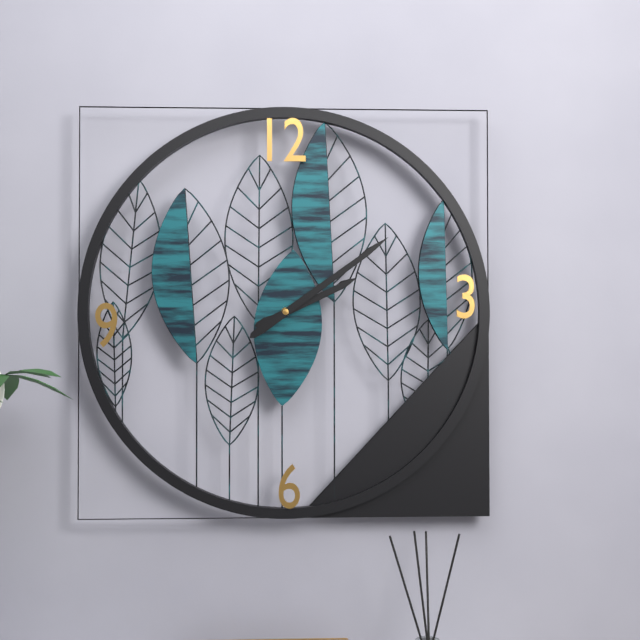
2h09
